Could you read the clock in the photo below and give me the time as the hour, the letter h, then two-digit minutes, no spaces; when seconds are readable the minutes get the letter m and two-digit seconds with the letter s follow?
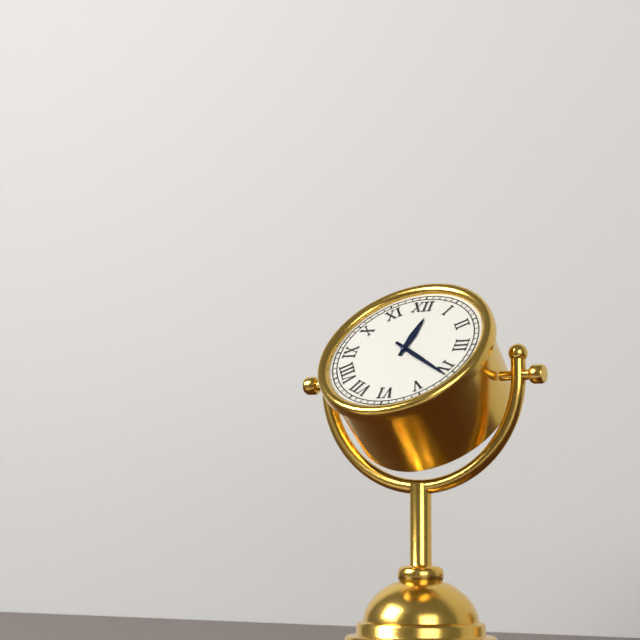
12h21
